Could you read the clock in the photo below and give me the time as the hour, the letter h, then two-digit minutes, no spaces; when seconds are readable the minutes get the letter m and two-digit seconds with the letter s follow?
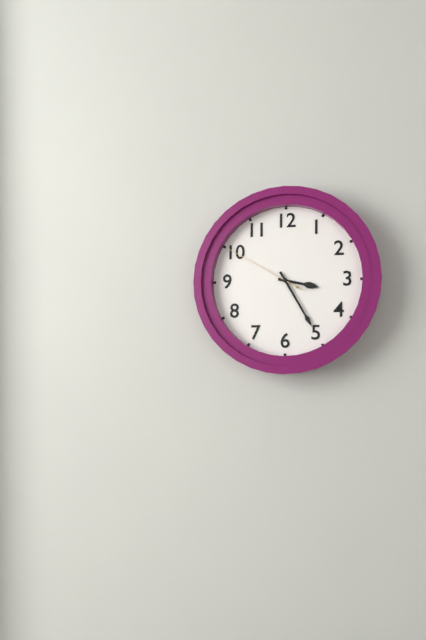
3h25m50s
